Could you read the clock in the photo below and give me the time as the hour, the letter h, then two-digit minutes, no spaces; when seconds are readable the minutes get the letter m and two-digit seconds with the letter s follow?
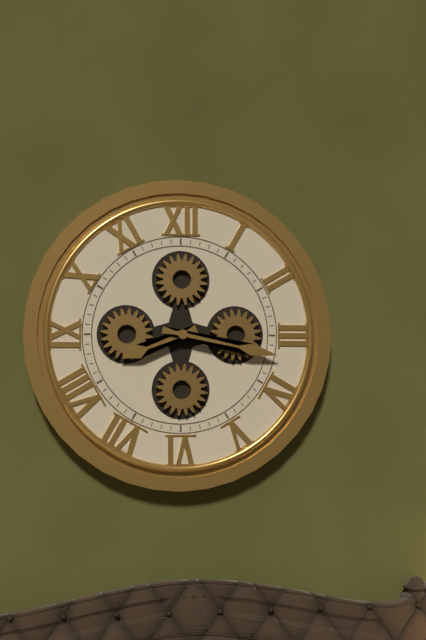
8h17
